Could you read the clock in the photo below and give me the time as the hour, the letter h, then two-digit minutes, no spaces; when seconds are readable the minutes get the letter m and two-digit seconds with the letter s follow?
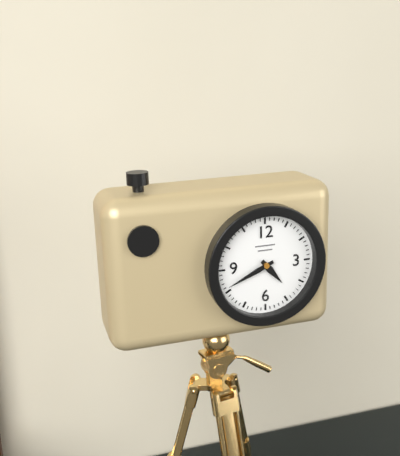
4h41
